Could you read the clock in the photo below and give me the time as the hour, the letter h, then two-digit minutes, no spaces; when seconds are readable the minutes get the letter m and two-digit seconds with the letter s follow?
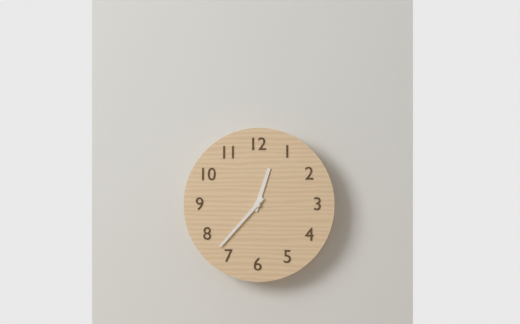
12h37
